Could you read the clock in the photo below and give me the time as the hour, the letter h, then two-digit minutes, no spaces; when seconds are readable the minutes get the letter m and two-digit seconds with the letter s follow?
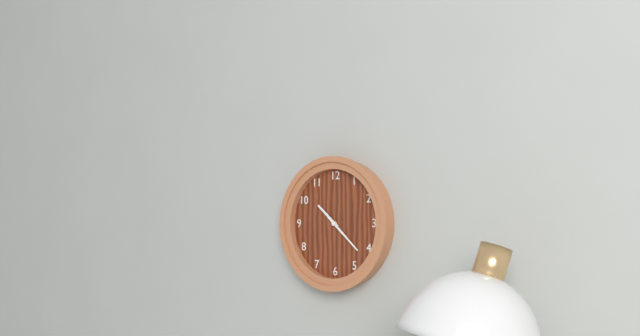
10h22
